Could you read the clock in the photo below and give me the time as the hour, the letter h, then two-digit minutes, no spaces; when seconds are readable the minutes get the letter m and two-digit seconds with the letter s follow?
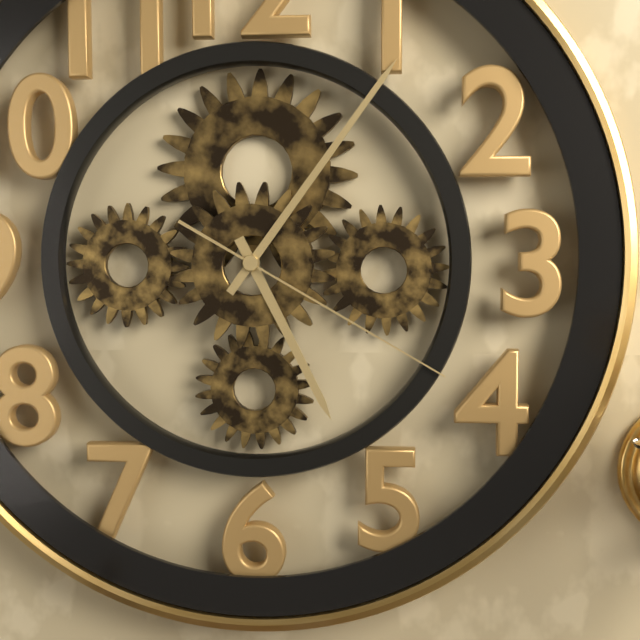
5h06m20s
